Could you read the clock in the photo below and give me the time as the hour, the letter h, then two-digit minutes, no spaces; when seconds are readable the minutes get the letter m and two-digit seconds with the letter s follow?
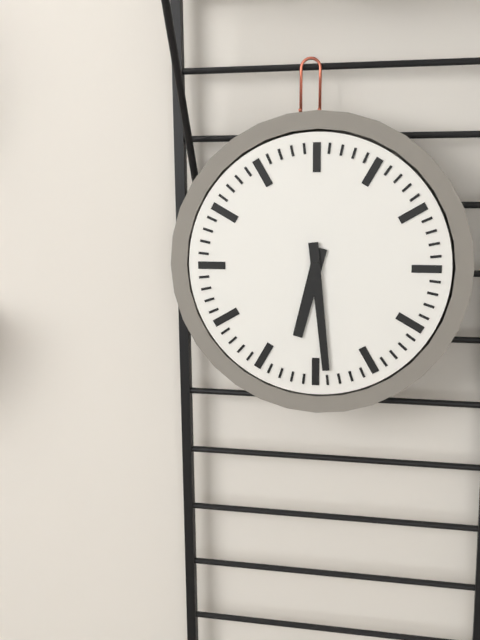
6h29
